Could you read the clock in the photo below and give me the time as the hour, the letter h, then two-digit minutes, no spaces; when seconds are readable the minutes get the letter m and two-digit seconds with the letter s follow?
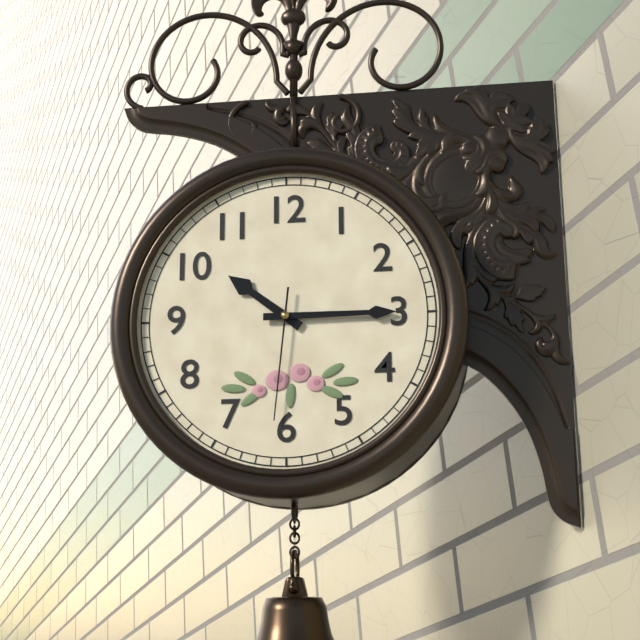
10h15m31s
